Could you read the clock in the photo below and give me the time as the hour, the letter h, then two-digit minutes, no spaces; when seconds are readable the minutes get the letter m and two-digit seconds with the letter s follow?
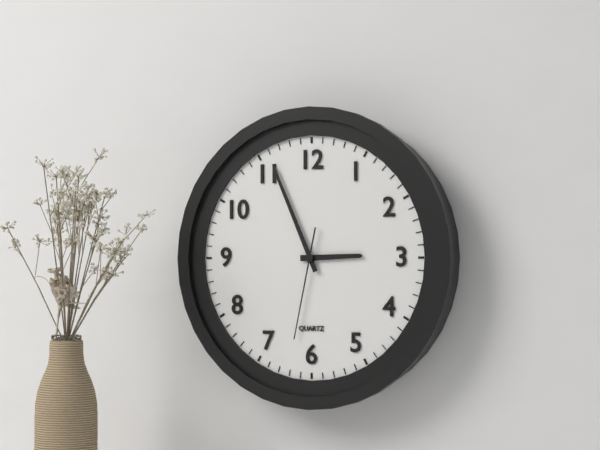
2h56m32s
